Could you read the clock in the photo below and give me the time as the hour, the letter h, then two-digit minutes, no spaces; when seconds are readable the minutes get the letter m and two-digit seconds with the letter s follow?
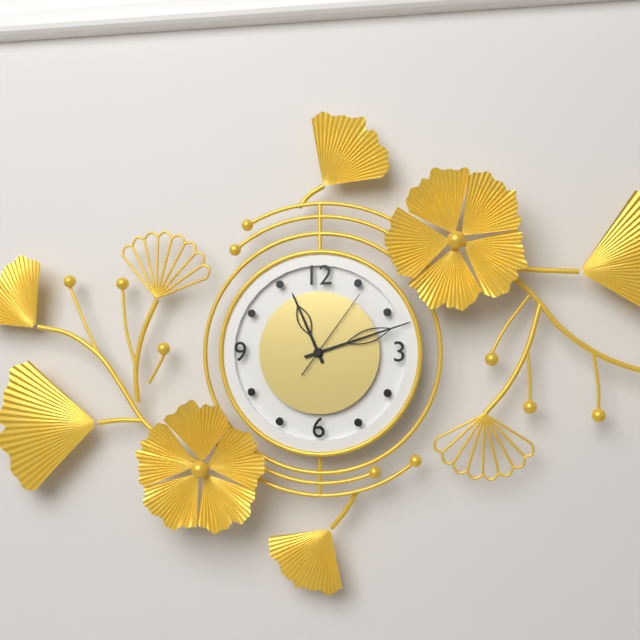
11h12m06s
